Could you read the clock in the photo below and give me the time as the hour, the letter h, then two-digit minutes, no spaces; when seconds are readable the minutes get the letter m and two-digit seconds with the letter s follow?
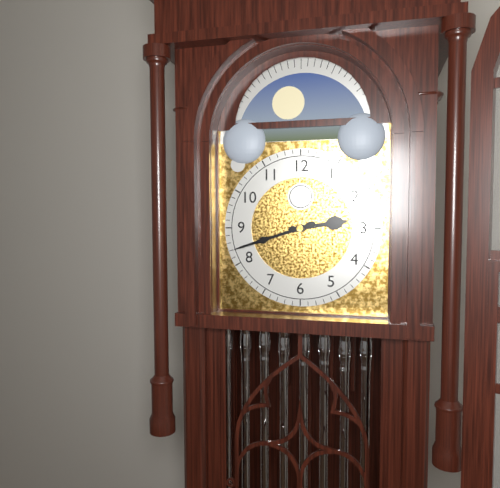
2h42
